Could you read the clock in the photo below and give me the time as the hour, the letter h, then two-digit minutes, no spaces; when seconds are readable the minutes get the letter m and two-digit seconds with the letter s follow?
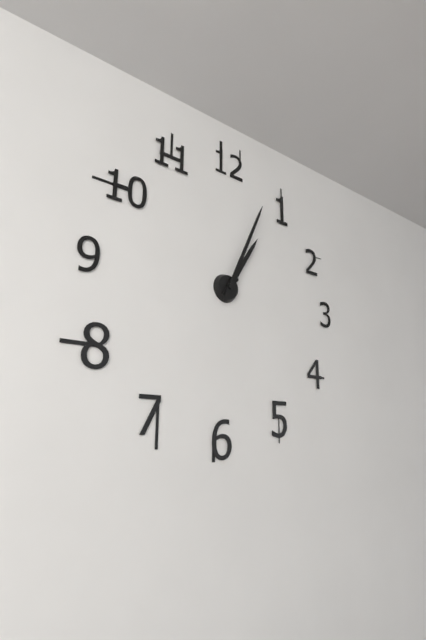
1h04
